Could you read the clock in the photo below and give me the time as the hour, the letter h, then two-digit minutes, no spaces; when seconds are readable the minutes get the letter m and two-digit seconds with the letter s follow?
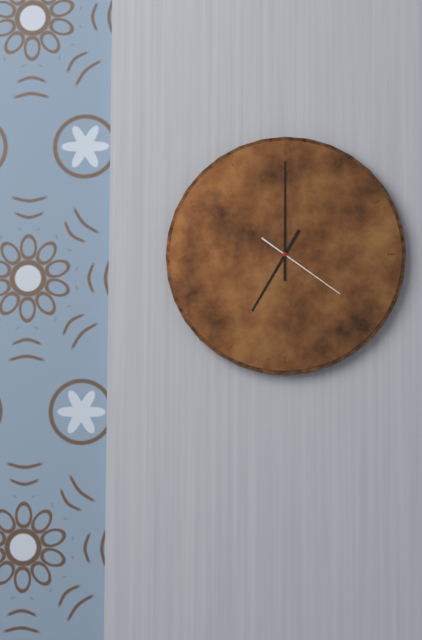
7h00m21s
